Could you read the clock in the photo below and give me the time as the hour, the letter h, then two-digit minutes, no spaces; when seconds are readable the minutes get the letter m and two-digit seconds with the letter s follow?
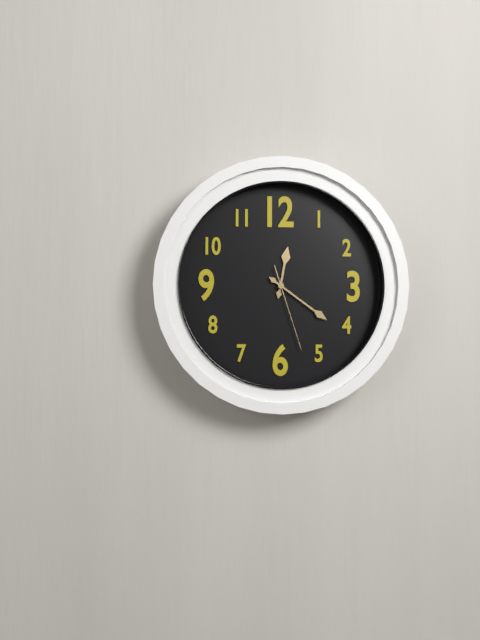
12h21m27s
